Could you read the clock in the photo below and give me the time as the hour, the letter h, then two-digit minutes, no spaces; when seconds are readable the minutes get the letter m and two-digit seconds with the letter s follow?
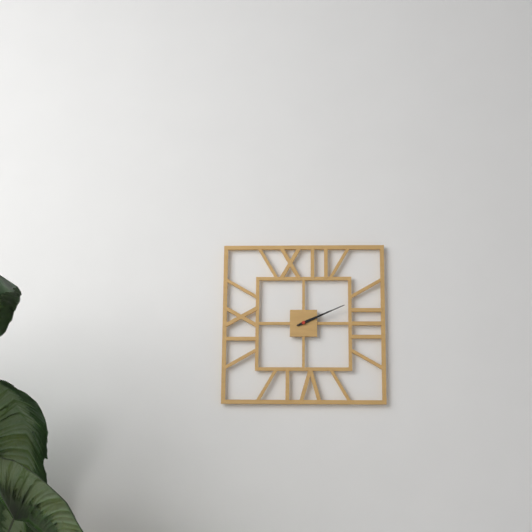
2h11
